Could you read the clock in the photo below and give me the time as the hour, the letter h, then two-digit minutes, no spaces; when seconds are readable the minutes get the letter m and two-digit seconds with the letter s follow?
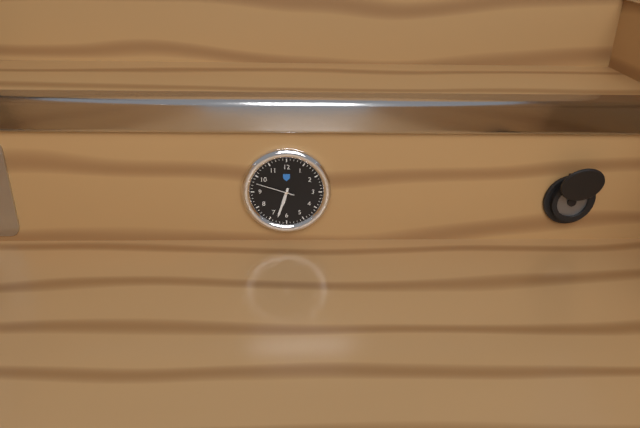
6h33
